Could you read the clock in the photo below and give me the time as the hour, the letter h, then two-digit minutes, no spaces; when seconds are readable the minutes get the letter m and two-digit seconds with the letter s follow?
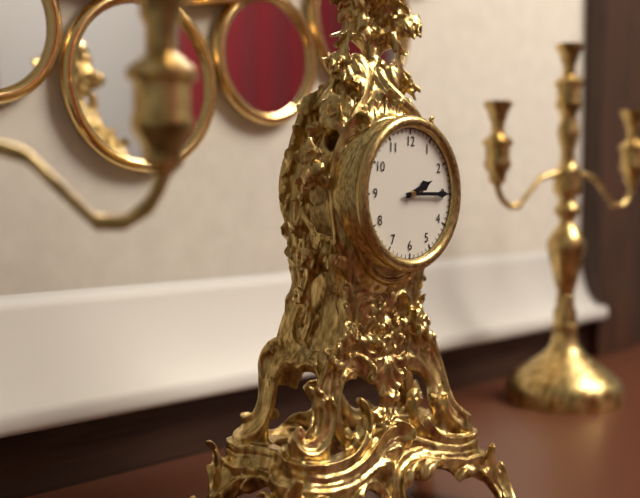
2h15
